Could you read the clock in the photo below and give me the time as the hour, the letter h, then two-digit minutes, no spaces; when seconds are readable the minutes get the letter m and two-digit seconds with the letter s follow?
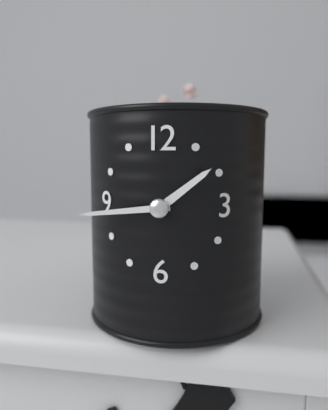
1h44
